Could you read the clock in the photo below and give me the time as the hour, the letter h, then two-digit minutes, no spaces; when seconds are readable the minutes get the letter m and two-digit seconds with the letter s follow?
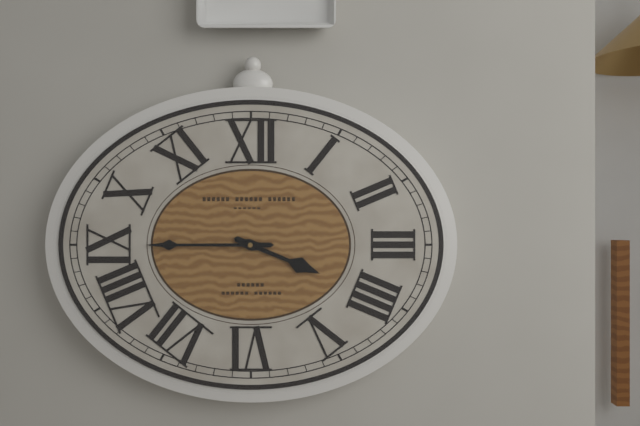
3h45
